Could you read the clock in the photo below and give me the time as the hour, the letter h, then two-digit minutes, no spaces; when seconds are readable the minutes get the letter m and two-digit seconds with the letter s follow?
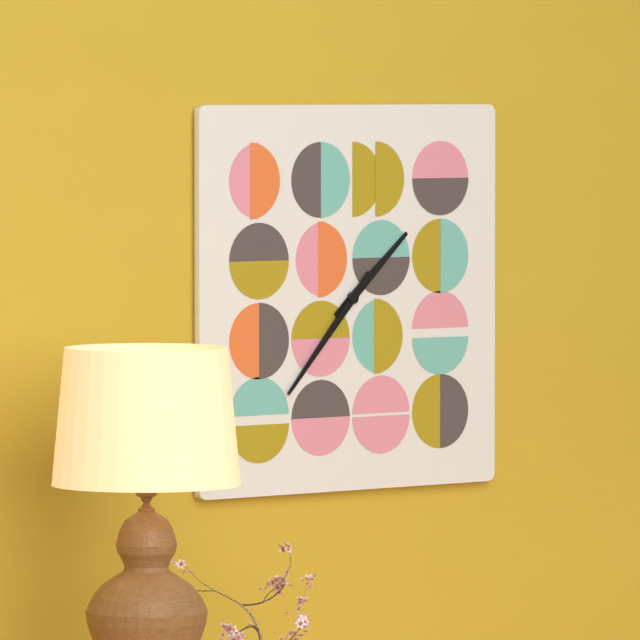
1h37
